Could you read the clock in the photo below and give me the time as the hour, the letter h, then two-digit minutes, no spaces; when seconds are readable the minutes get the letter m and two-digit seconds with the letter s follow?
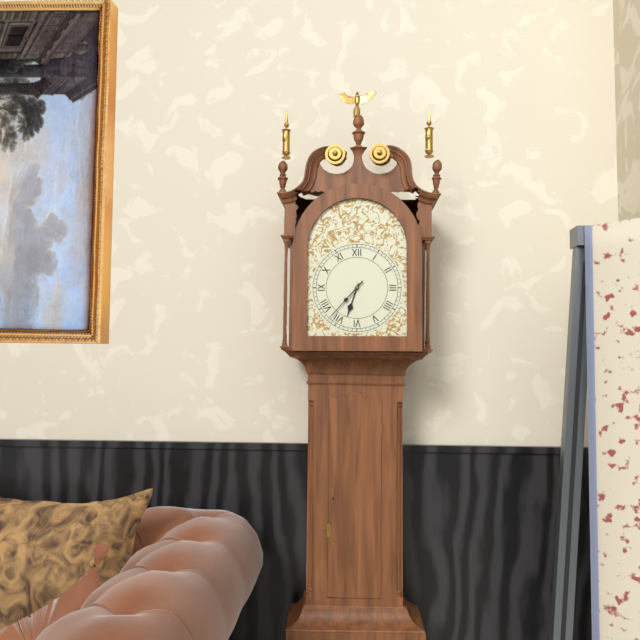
6h37
